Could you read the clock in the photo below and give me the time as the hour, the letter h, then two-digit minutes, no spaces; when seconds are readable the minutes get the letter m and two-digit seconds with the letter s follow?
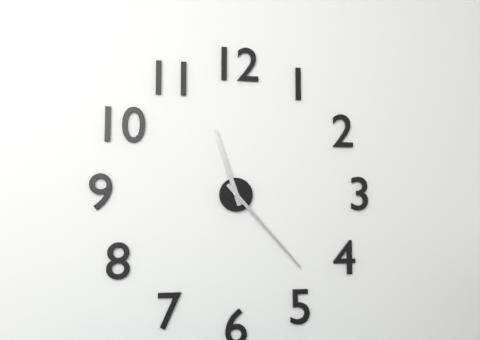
11h23
